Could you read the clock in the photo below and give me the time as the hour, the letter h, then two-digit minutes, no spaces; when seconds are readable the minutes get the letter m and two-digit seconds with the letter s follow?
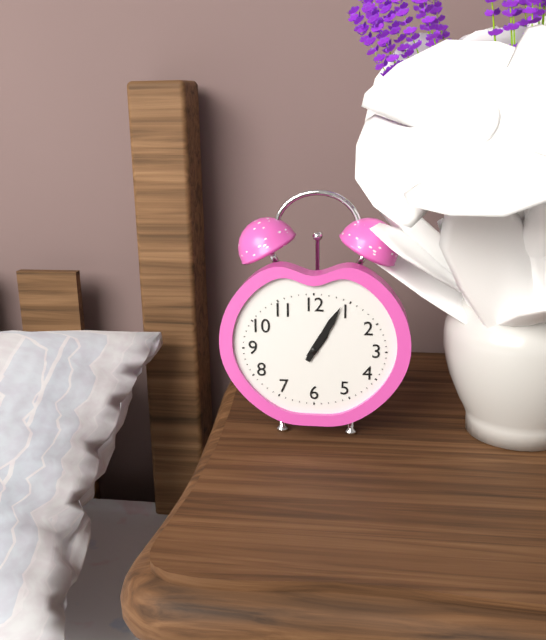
1h05
